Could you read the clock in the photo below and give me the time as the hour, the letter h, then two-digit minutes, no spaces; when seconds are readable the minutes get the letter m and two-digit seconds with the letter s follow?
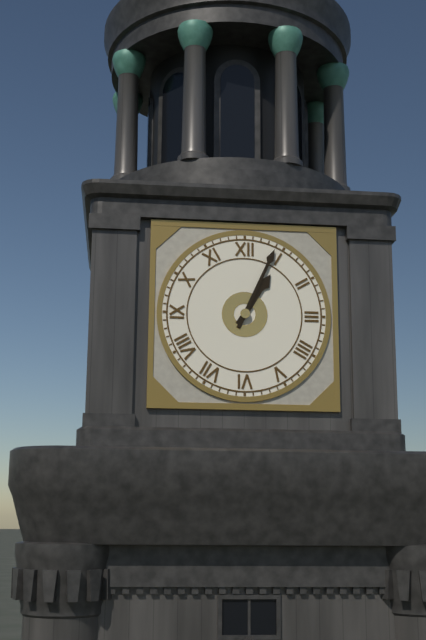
1h04
